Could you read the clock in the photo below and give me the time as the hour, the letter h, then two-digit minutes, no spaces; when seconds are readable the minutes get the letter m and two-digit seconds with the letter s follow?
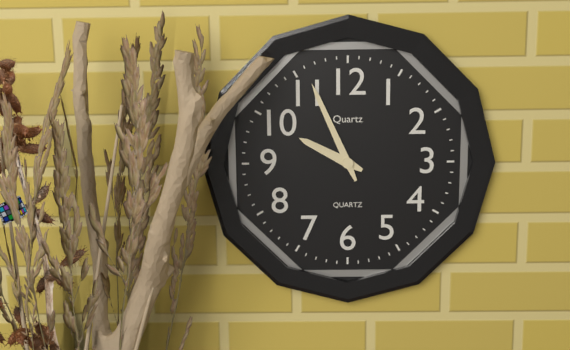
9h56
